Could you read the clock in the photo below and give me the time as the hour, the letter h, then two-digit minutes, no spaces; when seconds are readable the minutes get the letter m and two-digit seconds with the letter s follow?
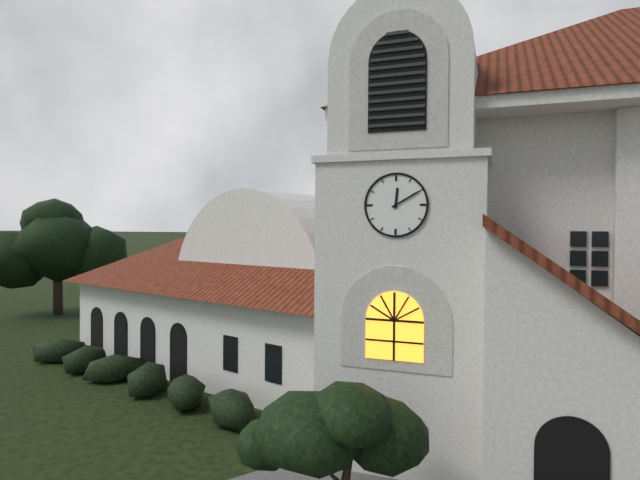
12h10
